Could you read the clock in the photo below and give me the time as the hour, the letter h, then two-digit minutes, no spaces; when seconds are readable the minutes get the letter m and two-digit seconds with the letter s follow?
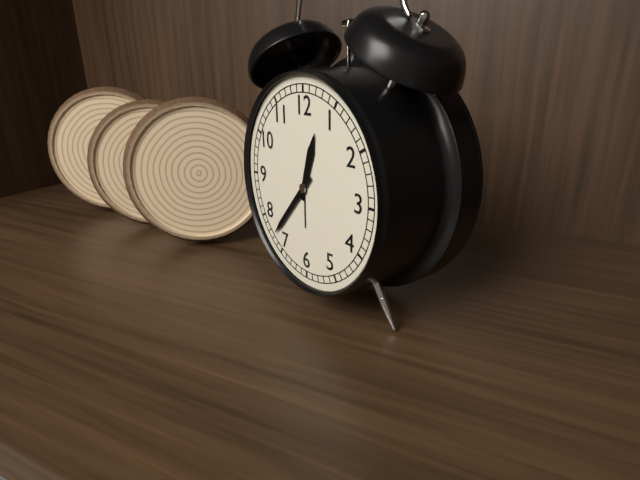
12h37
